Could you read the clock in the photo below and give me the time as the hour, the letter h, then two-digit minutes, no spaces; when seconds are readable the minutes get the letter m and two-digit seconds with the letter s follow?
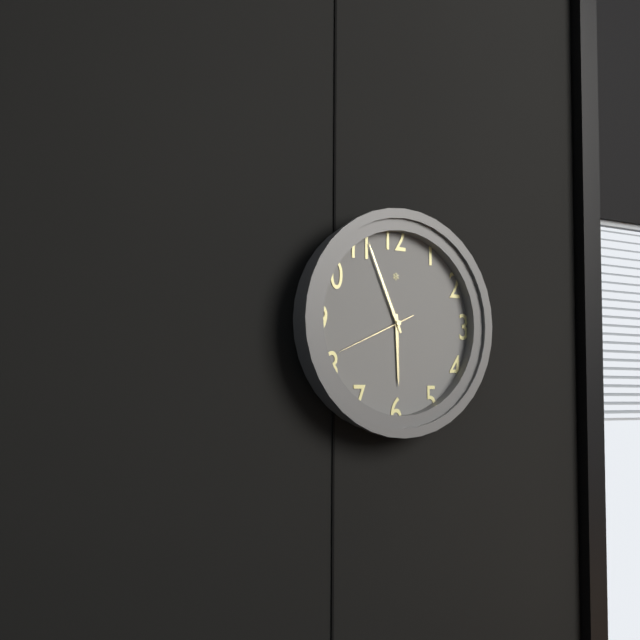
5h56m41s
